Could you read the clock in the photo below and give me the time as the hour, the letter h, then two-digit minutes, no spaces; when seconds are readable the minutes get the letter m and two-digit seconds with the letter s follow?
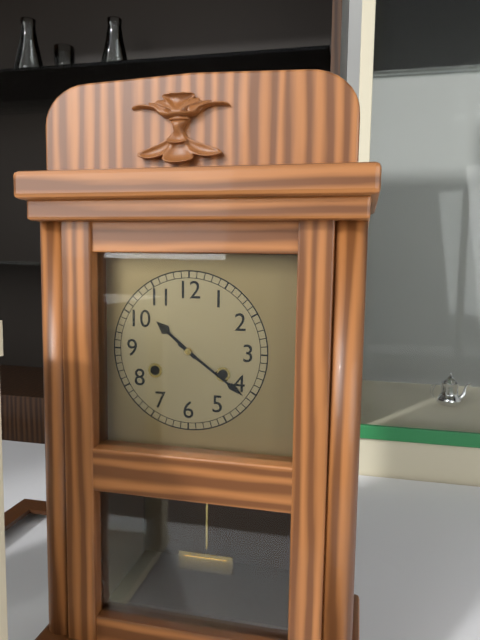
10h21
